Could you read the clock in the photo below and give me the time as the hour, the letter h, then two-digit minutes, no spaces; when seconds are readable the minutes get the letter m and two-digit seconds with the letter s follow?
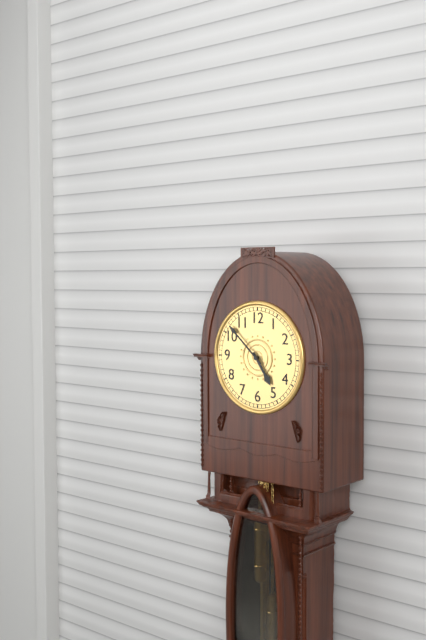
4h52
